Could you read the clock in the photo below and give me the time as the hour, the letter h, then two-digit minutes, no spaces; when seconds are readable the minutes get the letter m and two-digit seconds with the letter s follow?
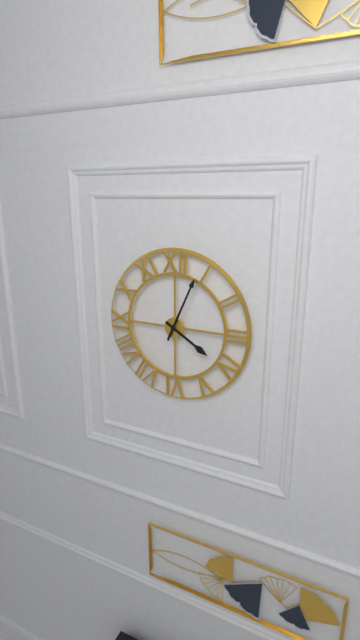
4h04
